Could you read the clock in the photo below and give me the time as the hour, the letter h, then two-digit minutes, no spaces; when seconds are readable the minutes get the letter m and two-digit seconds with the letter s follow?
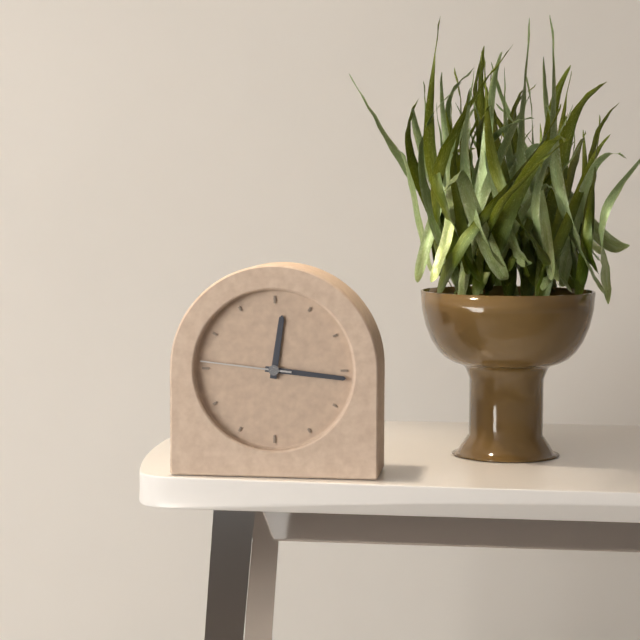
12h16m46s
